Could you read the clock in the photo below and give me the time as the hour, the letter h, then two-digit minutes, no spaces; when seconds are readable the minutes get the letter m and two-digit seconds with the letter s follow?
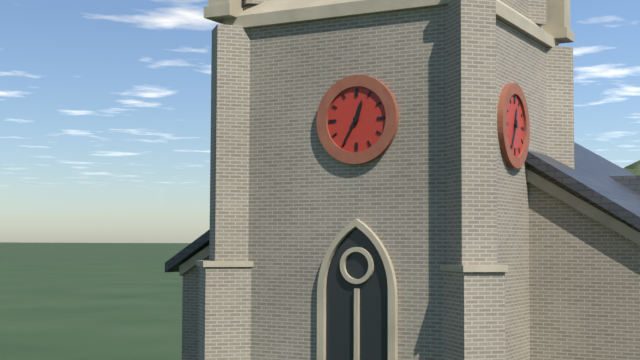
12h35
